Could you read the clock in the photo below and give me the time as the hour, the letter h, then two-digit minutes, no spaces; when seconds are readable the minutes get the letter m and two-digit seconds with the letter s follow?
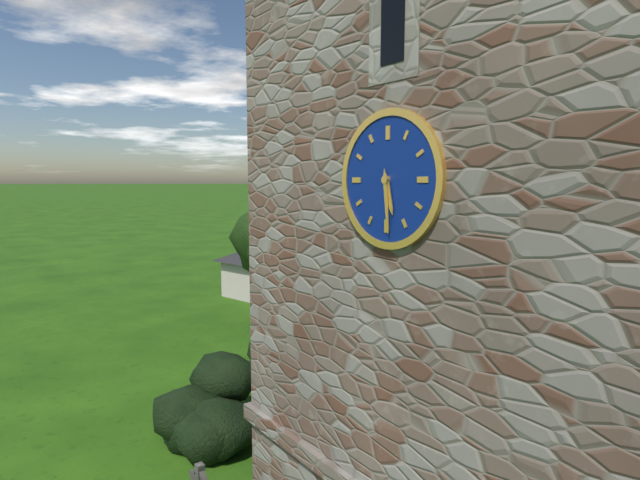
5h29
